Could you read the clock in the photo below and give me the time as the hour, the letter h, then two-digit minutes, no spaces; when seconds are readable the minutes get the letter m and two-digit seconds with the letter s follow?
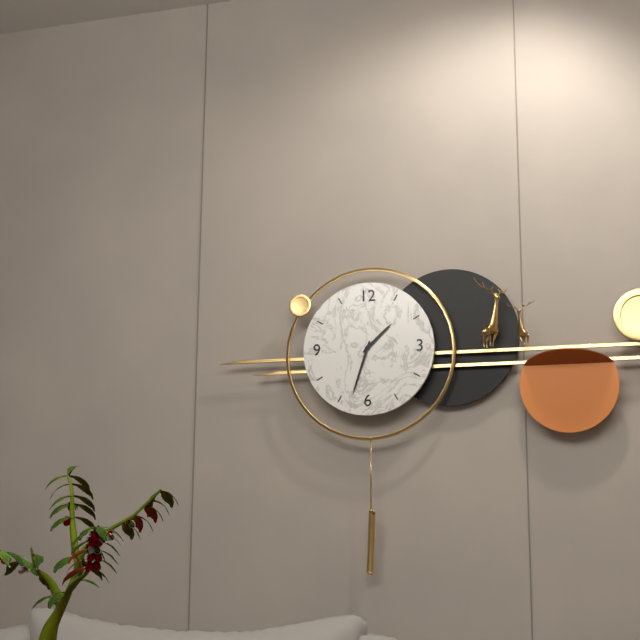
1h33
